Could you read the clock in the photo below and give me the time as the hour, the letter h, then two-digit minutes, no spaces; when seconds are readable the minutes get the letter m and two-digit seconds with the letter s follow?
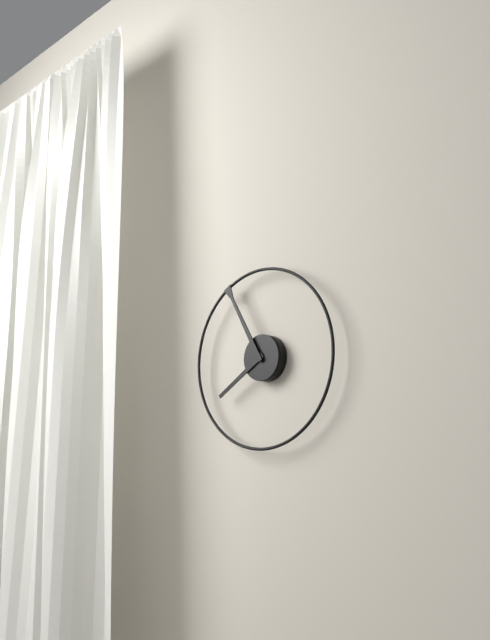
7h55
